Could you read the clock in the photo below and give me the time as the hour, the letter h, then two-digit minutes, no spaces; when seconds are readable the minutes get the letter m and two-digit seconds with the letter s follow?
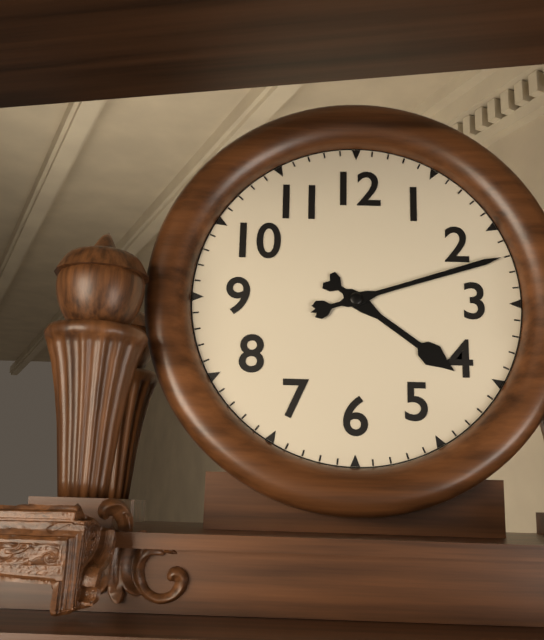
4h12
